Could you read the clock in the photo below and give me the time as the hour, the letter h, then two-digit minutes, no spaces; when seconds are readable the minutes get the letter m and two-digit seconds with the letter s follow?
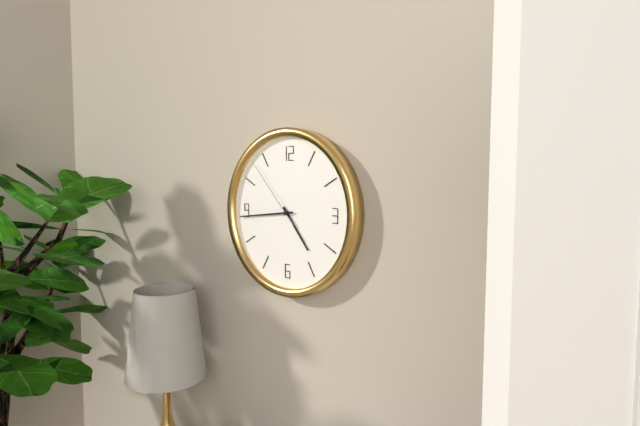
4h44m53s
